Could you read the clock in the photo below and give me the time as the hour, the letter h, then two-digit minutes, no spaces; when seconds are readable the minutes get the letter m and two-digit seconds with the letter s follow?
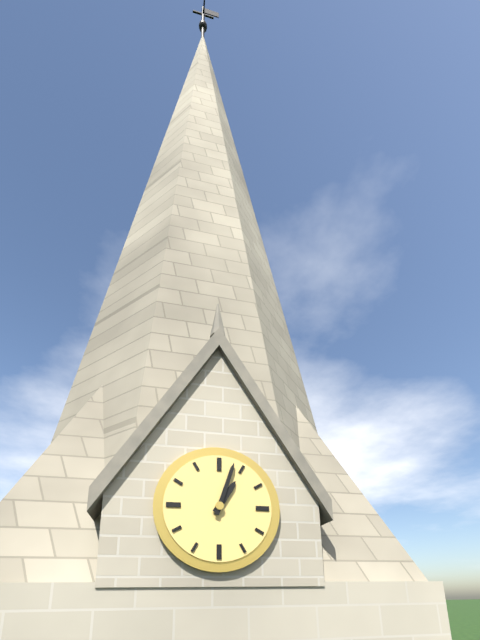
1h03
